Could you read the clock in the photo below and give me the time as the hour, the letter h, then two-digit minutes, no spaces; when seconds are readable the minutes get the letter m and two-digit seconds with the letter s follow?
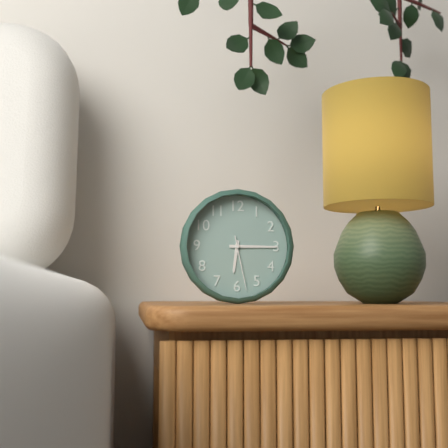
6h15m28s
